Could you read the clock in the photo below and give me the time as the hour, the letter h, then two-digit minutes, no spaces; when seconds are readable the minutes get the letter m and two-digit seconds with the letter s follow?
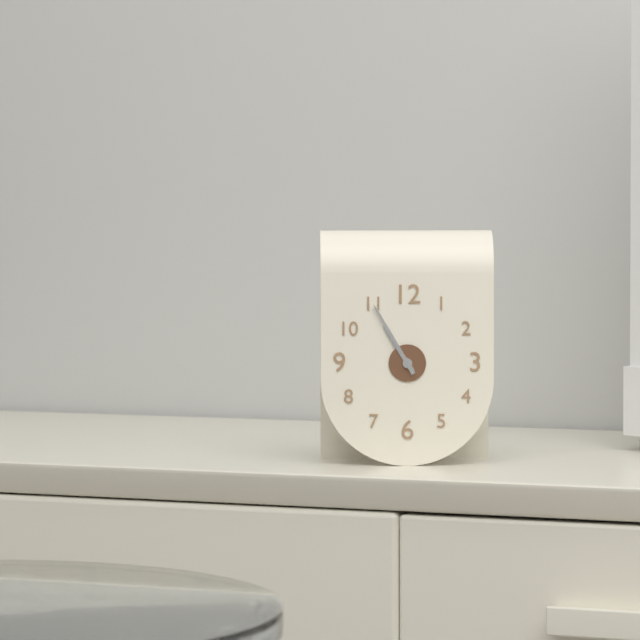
10h55
